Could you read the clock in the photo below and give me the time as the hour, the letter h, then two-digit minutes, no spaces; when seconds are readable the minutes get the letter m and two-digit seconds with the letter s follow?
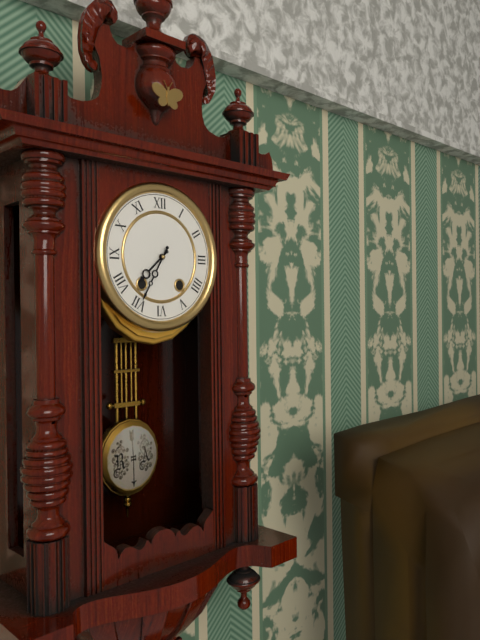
7h35
